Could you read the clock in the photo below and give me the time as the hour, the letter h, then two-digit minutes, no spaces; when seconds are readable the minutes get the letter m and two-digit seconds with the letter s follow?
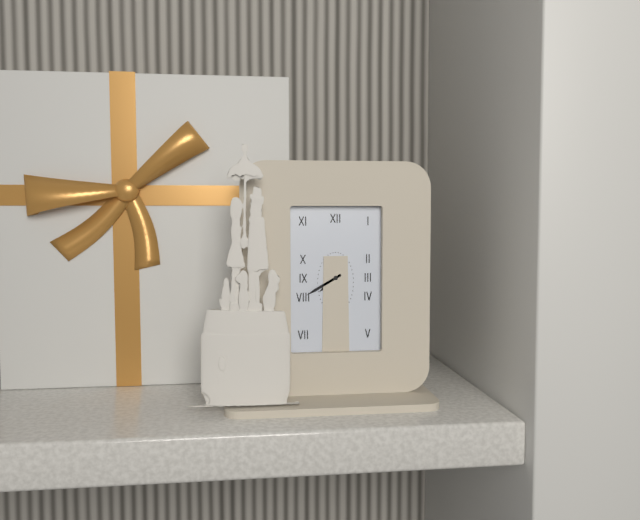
7h40
